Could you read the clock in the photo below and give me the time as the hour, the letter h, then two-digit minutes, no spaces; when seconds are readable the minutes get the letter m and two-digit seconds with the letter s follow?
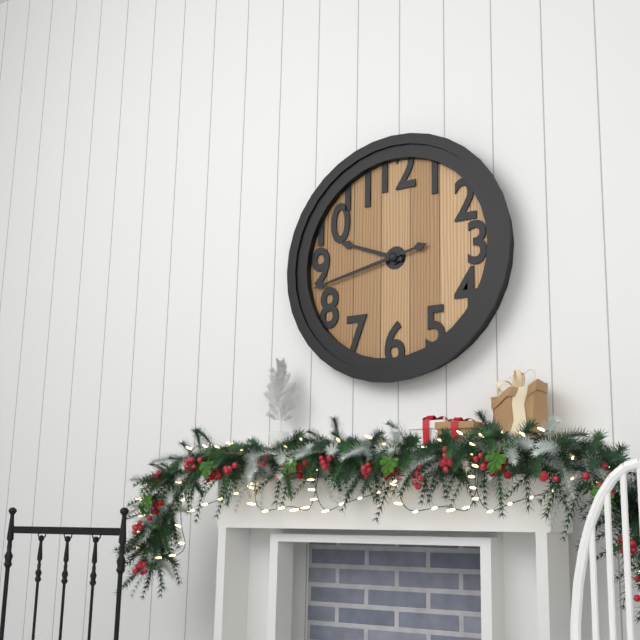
9h43
